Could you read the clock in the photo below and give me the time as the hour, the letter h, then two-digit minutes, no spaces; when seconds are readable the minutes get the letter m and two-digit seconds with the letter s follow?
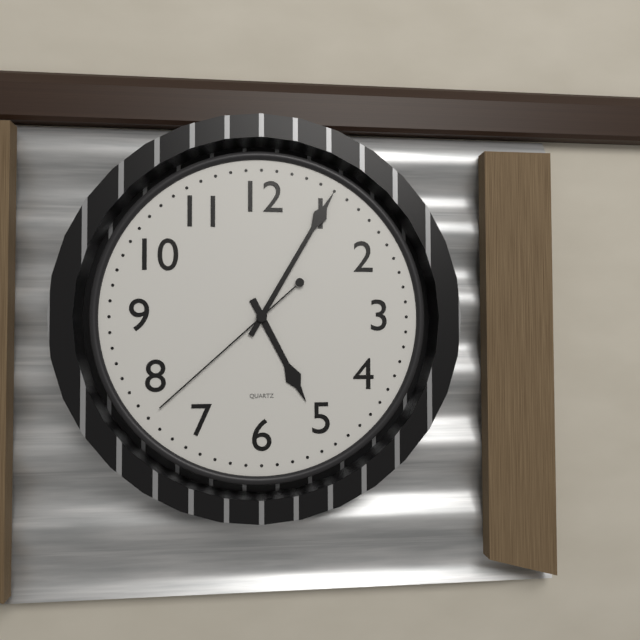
5h05m38s
